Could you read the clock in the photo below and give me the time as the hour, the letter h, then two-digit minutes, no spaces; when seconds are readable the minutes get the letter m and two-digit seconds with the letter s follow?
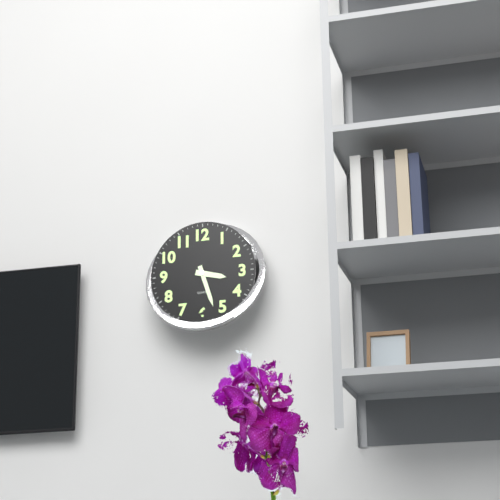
3h27
